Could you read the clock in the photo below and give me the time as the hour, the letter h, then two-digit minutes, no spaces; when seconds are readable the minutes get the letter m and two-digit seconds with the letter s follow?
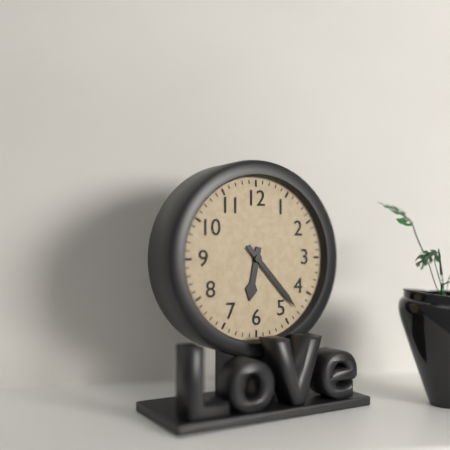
6h23
